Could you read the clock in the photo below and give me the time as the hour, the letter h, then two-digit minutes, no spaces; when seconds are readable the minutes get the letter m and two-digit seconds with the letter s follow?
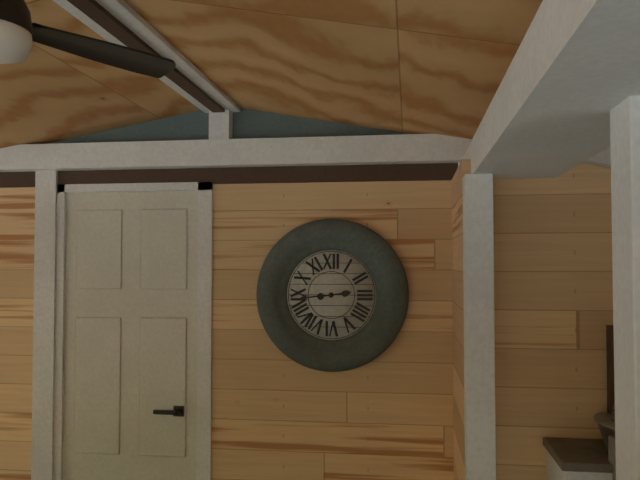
2h44
